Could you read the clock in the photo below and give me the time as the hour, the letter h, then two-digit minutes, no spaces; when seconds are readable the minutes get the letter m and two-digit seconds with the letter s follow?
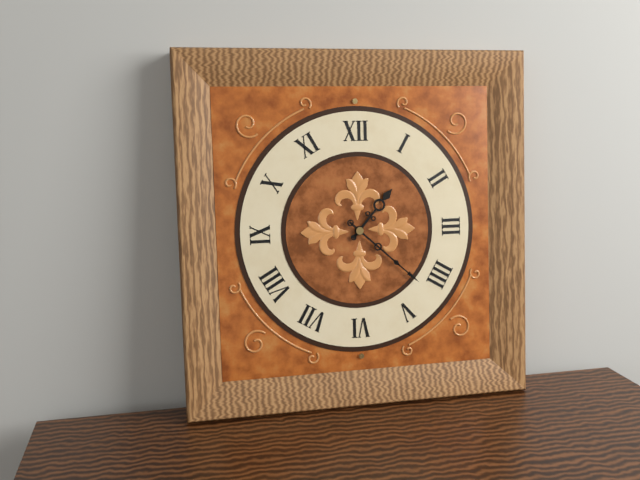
1h22
